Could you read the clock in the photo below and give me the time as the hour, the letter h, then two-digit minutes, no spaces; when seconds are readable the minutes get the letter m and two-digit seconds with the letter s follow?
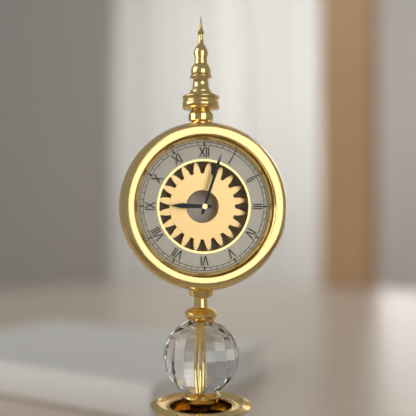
9h03
